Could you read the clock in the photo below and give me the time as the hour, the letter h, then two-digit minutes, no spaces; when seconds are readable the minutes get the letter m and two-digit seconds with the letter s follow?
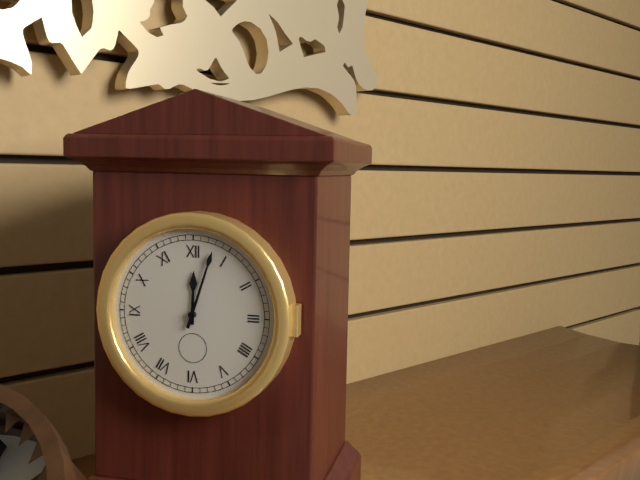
12h03
